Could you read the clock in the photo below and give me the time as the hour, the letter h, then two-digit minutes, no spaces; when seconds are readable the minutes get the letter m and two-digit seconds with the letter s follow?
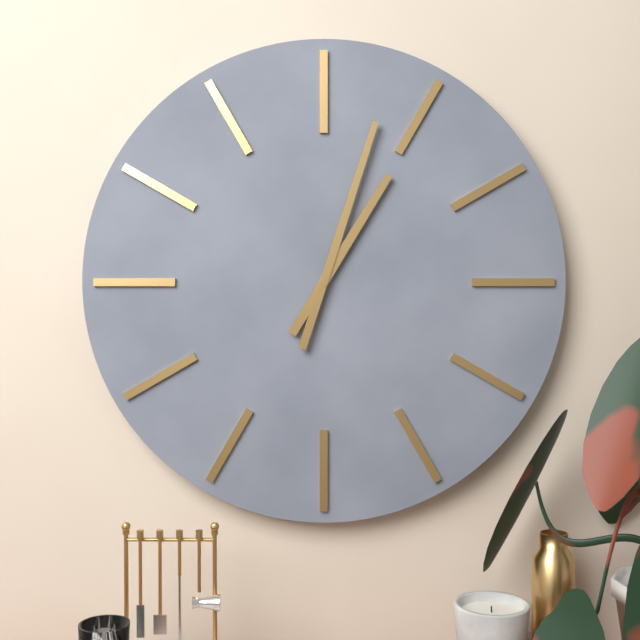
1h03
